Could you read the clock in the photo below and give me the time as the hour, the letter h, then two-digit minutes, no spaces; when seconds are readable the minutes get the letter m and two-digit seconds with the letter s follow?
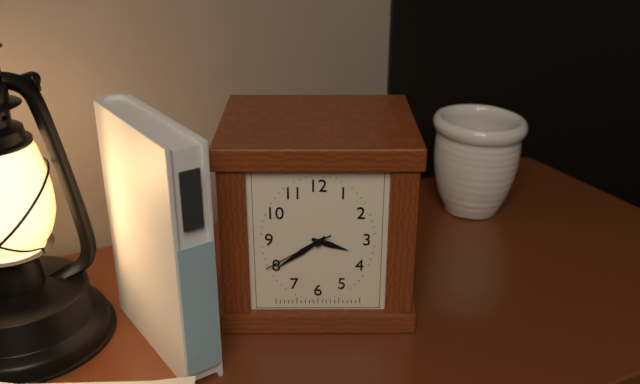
3h39m40s
